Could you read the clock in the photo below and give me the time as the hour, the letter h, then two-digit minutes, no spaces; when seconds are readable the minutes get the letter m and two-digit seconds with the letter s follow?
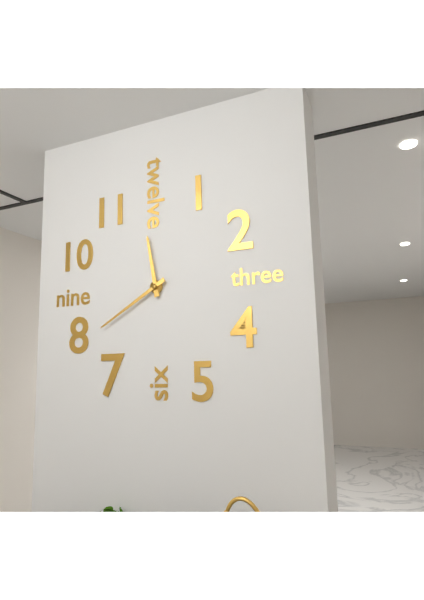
11h40
